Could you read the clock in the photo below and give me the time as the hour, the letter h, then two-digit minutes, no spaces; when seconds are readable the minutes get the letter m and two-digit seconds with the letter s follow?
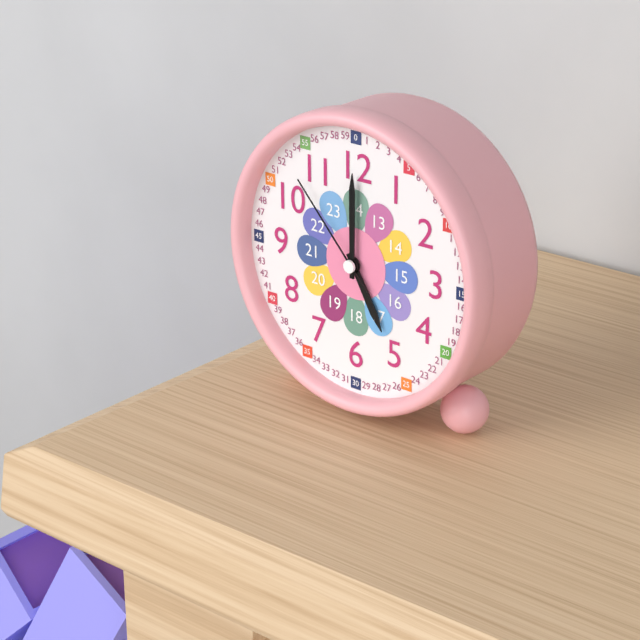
5h00m53s
